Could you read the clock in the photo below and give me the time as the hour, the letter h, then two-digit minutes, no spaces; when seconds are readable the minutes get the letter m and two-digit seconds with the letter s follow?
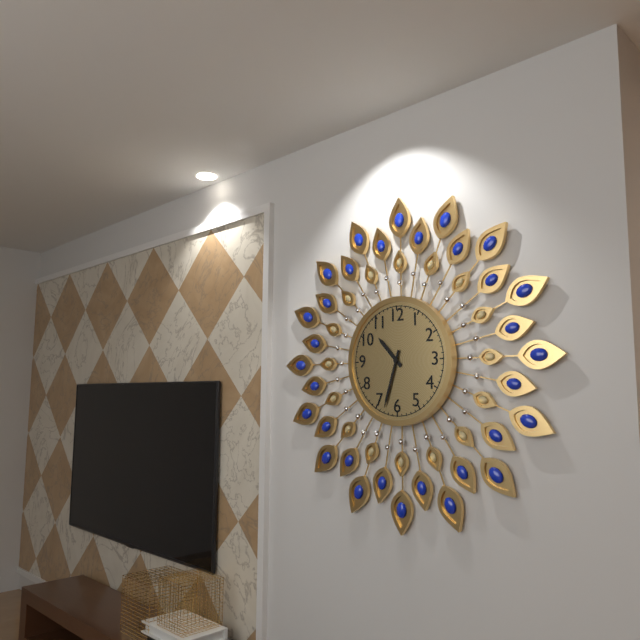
10h33
